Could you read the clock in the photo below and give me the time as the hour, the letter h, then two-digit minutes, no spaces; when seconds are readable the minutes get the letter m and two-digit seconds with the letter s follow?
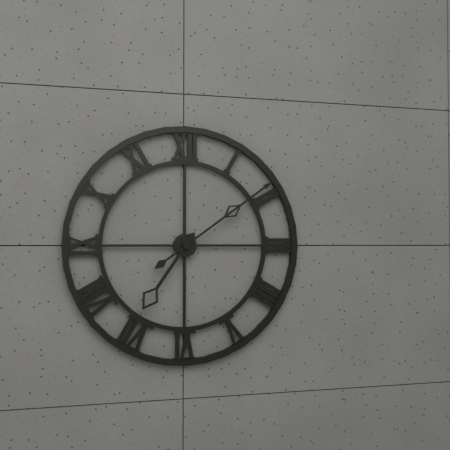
7h09
